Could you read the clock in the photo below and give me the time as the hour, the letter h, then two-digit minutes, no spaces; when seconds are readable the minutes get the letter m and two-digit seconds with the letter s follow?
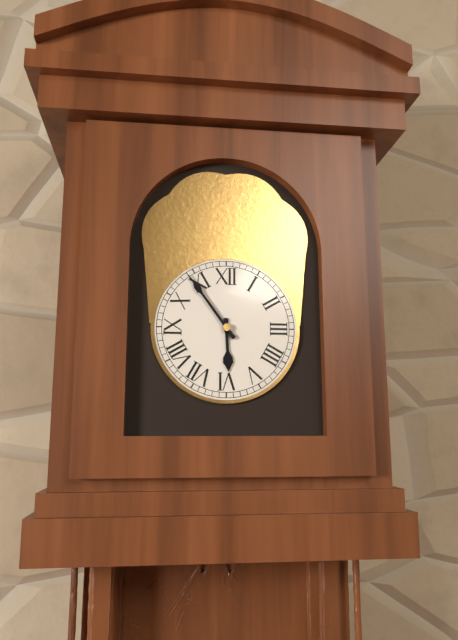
5h54
